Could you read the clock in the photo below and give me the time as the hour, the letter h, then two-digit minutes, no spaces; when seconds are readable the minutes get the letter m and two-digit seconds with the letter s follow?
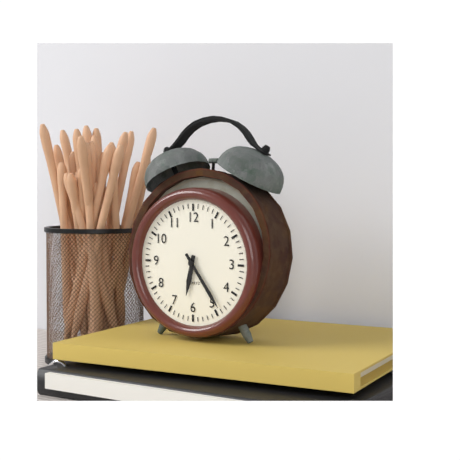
6h24
